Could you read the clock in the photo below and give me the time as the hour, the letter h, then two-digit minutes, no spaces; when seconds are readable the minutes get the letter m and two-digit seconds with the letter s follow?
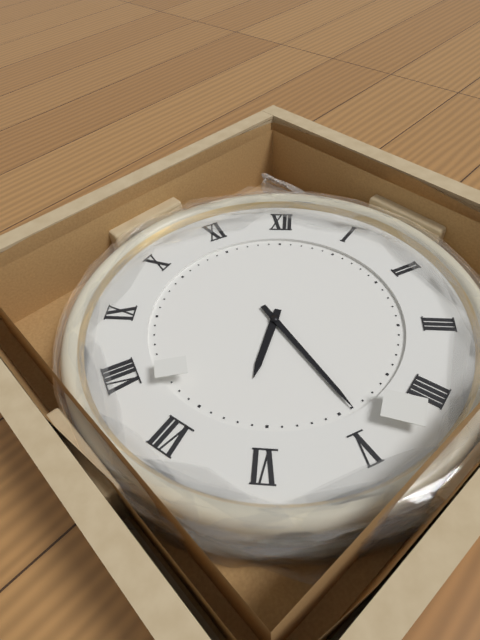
6h24
